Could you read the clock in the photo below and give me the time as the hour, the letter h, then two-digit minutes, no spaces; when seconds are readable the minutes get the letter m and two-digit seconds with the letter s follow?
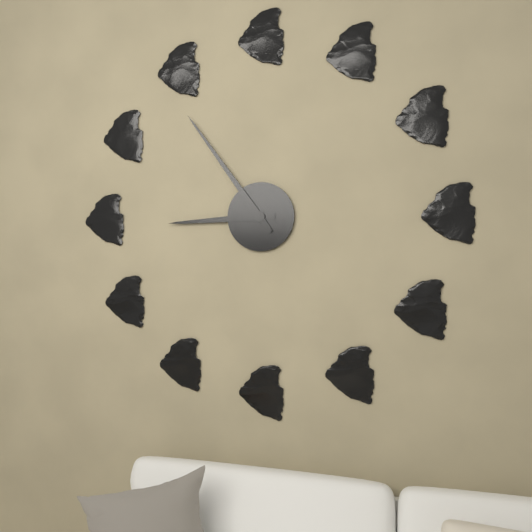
8h54
